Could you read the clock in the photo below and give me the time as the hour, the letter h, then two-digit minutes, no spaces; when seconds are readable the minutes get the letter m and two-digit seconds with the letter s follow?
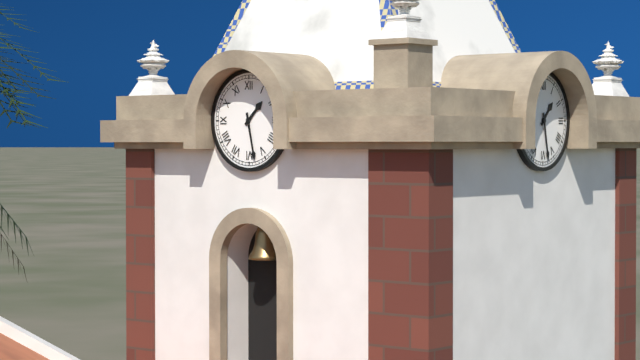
1h28
